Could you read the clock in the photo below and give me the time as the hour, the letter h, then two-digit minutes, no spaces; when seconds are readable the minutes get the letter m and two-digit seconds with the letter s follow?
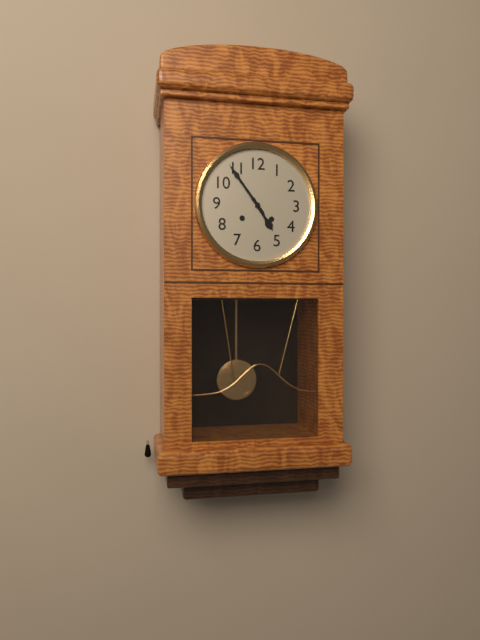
4h54
